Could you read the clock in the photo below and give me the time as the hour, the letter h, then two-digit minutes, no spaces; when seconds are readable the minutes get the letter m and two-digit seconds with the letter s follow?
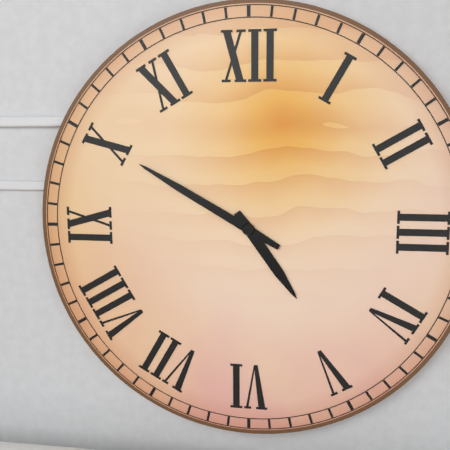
4h50
